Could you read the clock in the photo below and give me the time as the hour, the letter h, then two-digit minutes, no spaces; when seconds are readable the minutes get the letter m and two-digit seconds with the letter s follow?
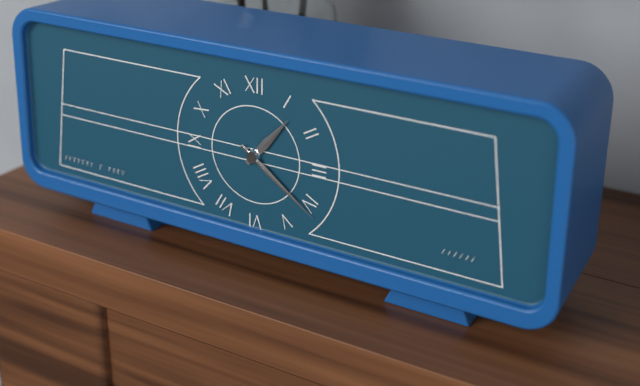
1h21
